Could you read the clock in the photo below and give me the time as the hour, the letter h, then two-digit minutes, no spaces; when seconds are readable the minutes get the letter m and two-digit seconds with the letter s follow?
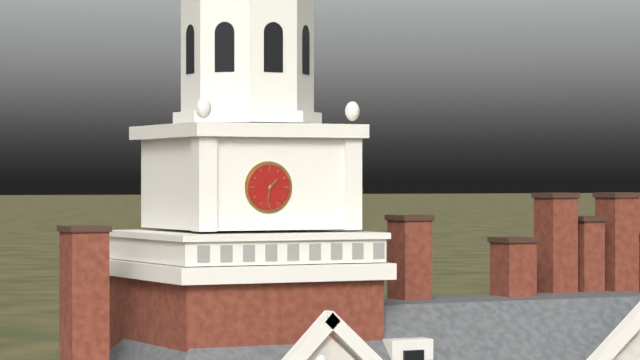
1h32
